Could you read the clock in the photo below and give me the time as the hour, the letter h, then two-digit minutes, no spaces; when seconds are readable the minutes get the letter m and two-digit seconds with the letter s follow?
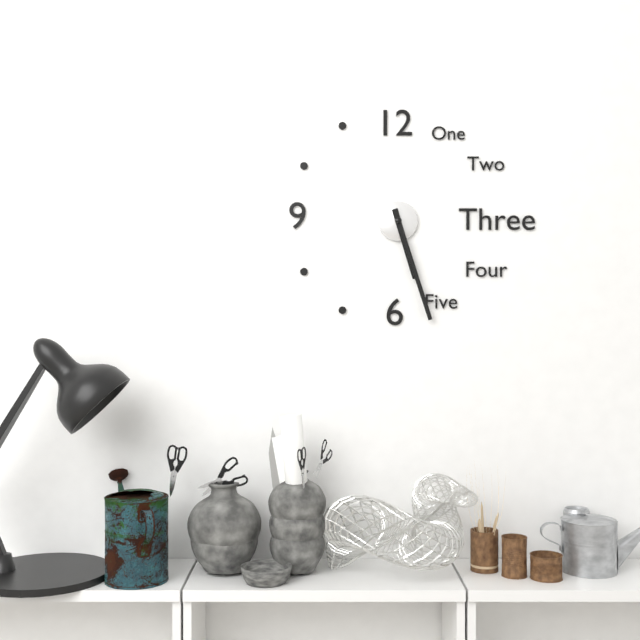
5h27
